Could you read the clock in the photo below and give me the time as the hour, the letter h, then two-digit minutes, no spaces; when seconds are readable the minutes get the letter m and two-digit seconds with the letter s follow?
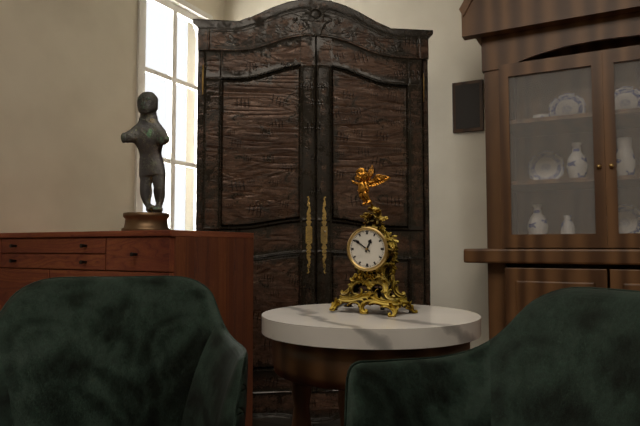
12h51
